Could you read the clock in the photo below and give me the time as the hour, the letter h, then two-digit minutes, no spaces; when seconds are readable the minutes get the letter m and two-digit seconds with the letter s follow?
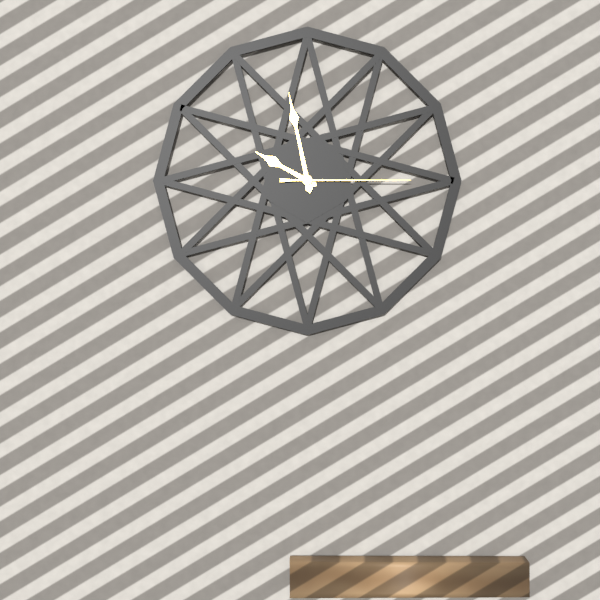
9h58m15s
